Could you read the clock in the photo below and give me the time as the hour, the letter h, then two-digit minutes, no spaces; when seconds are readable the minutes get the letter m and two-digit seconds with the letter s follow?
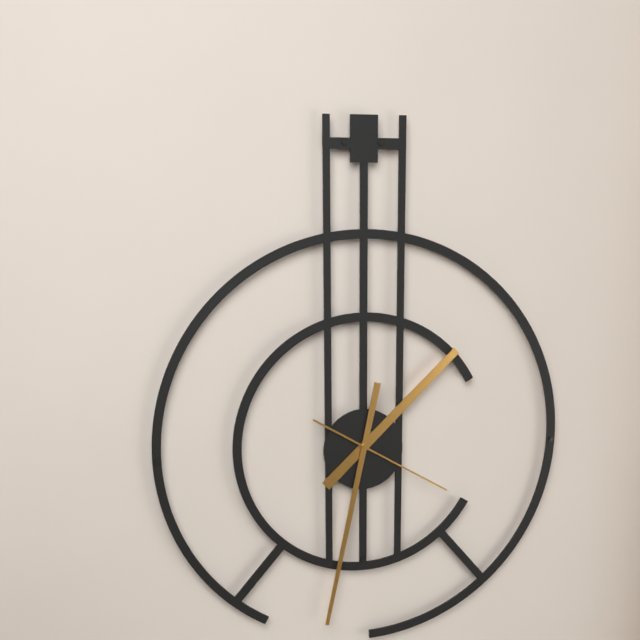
1h32m20s
